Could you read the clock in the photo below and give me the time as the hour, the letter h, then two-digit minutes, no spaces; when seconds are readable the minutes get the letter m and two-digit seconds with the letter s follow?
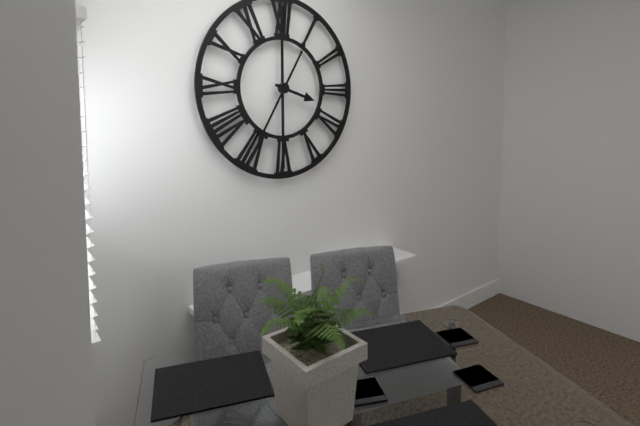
3h35
